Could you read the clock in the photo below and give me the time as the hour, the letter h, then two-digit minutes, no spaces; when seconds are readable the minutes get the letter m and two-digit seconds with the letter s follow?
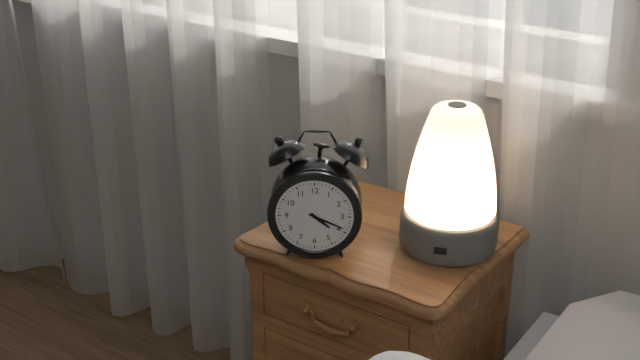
4h19
